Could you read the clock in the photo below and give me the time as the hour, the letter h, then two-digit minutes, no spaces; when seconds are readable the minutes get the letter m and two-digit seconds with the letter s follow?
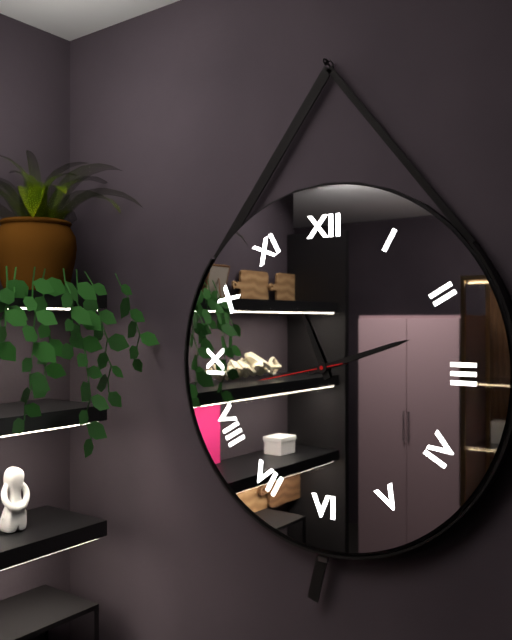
11h12m43s
